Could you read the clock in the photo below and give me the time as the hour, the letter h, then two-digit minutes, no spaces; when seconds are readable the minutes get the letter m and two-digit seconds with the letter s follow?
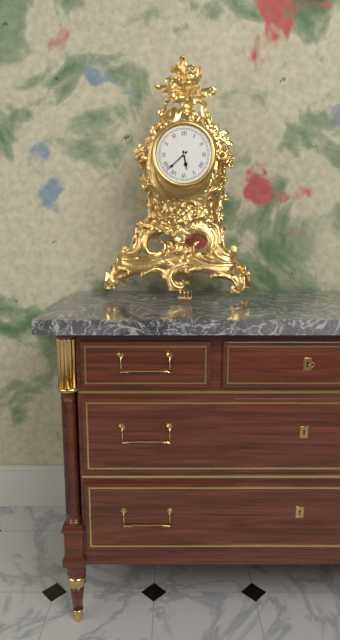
5h38
